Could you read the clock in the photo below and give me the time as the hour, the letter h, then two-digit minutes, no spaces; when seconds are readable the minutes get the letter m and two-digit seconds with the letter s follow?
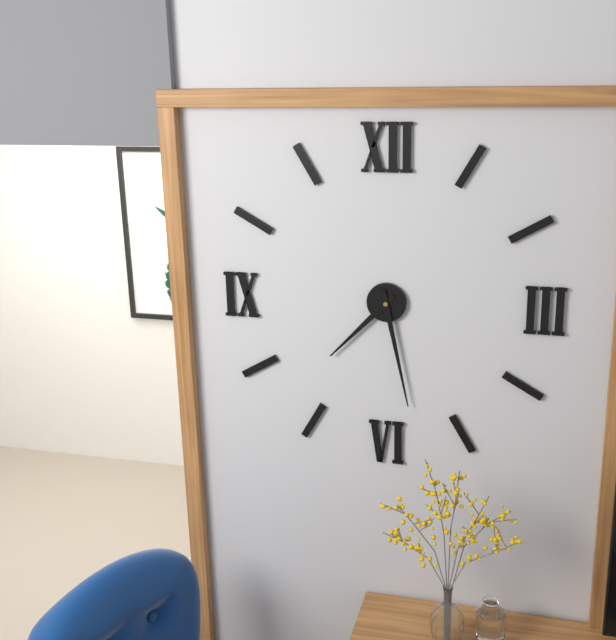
7h28
